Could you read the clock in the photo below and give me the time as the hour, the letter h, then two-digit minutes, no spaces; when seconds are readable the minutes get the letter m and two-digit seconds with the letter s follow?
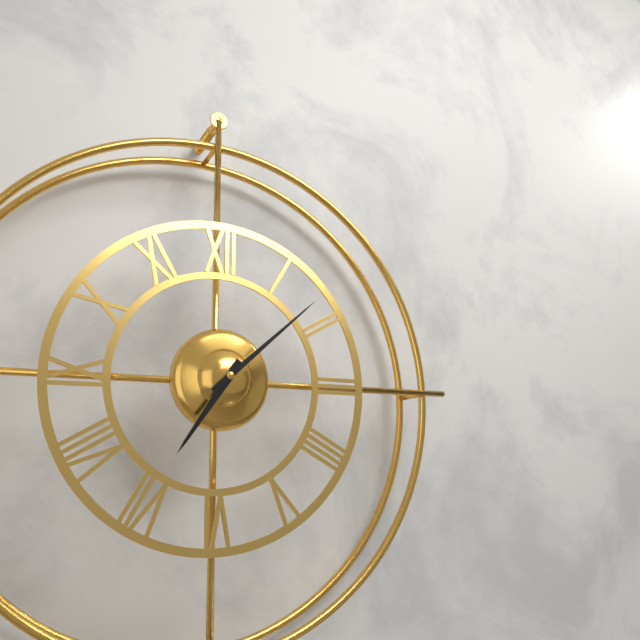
7h08
